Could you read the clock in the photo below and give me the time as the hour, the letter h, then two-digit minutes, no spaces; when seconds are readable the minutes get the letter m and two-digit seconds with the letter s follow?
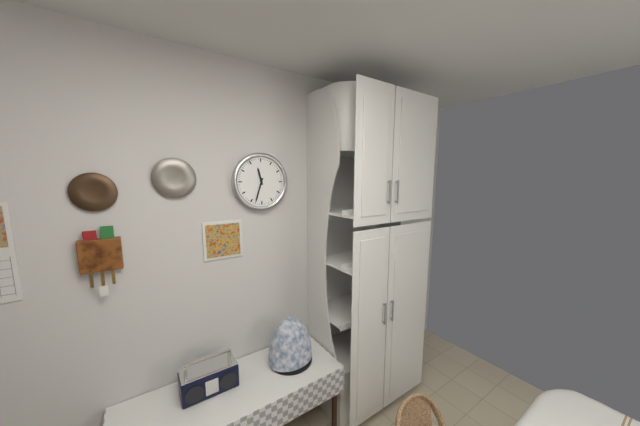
11h33
